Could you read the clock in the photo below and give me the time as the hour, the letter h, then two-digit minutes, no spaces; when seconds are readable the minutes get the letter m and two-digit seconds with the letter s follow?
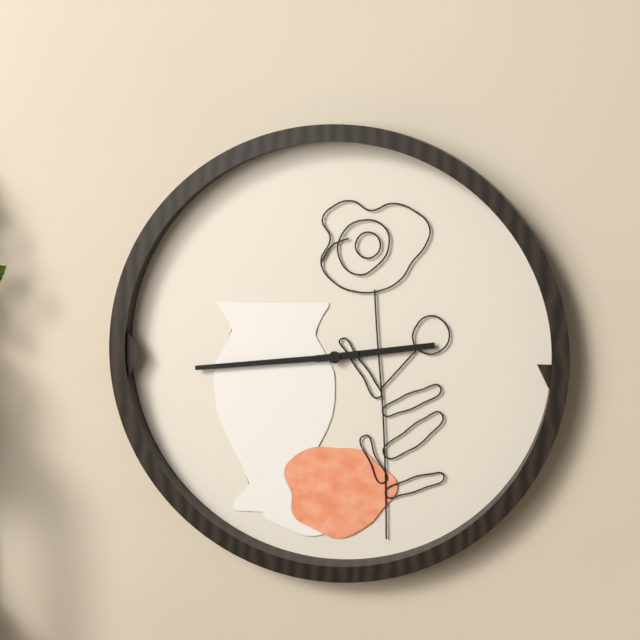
2h44
